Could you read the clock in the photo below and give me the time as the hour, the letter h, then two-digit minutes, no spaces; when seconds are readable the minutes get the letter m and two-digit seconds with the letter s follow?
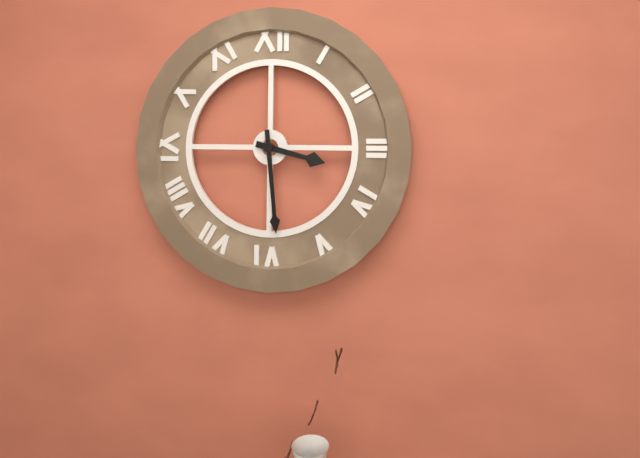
3h29
